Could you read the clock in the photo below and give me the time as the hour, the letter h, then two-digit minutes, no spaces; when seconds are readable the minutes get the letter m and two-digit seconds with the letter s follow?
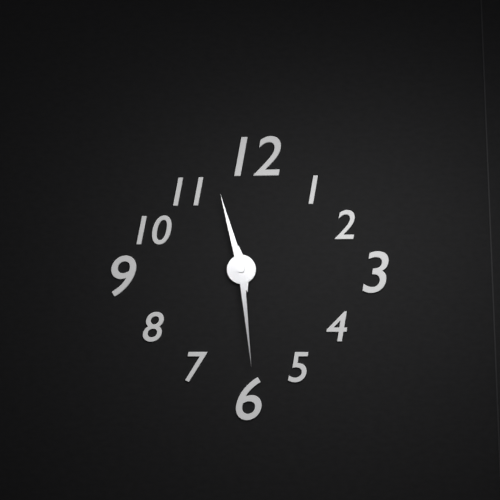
11h29
